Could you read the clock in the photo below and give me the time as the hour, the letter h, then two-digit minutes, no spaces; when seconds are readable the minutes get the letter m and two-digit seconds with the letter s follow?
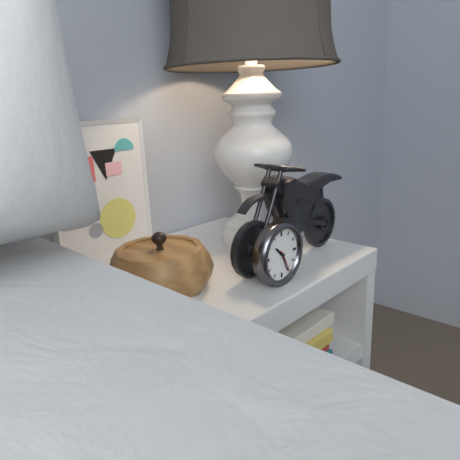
10h26
